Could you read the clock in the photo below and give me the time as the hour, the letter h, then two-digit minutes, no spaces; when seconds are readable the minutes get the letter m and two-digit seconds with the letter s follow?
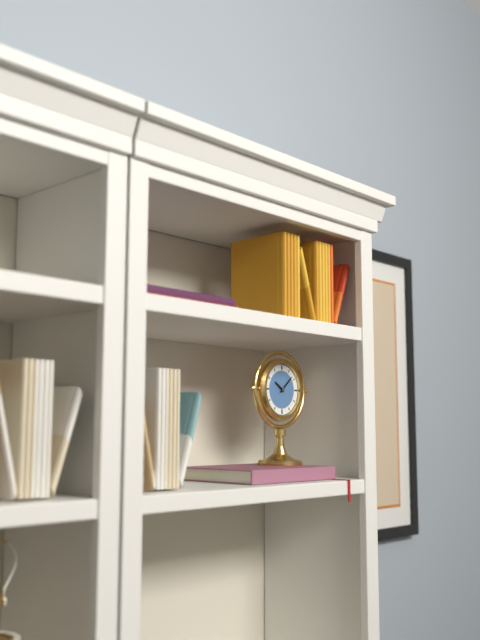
10h08
